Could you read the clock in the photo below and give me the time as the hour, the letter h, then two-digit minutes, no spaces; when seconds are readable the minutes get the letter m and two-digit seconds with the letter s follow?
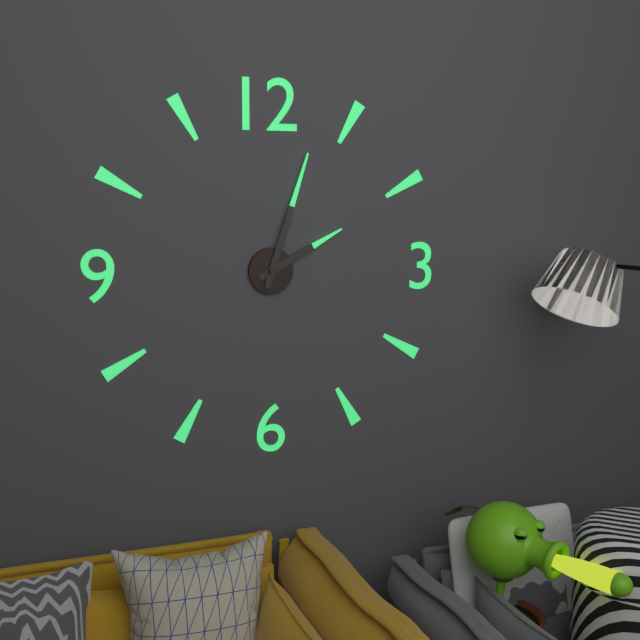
2h03
